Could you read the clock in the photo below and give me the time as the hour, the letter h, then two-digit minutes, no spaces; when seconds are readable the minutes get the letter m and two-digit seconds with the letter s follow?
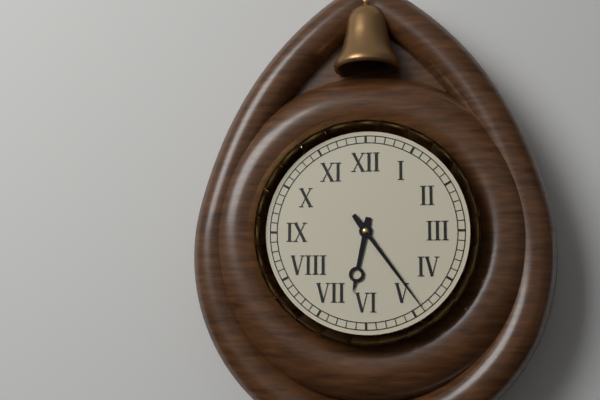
6h24
